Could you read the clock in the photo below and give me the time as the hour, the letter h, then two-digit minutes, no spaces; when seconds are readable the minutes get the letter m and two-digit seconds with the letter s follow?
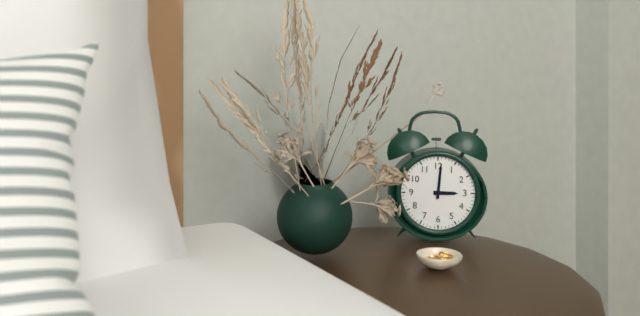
3h01
